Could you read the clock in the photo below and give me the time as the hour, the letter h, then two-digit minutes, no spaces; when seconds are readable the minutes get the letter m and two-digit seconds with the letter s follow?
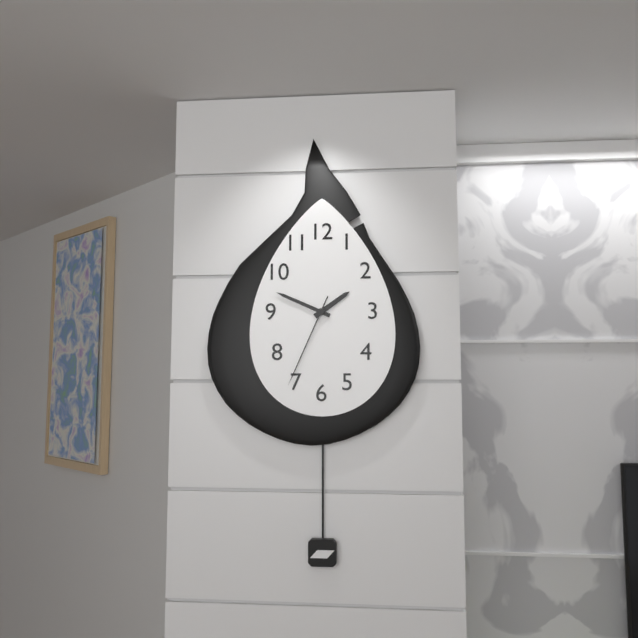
1h49m34s
